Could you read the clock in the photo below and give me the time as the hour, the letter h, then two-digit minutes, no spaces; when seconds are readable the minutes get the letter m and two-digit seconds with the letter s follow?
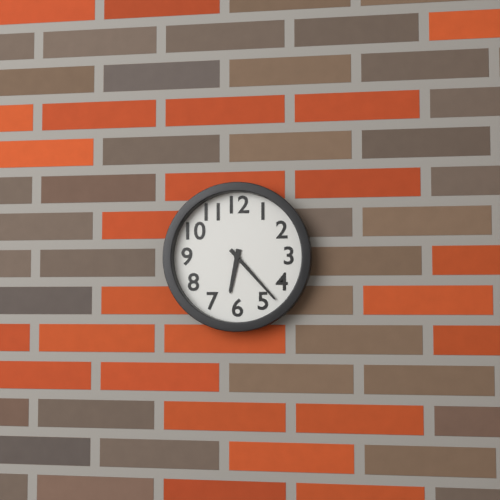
6h23
